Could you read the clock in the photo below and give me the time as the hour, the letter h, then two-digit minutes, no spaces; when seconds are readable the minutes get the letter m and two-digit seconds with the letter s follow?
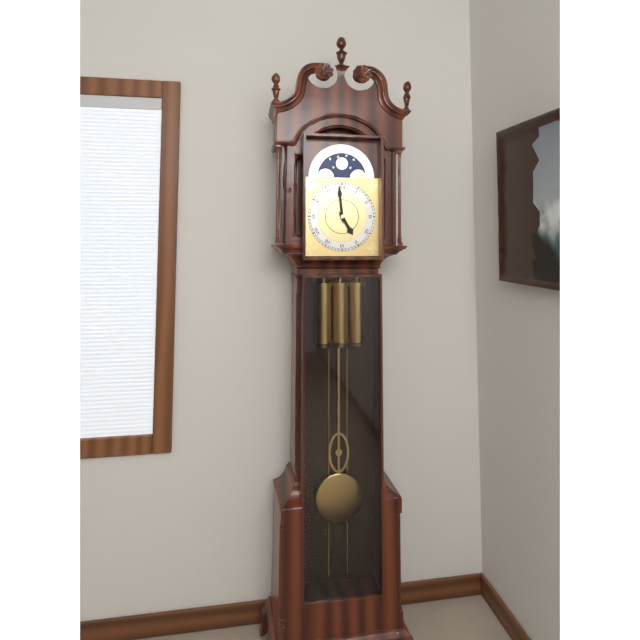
4h59
